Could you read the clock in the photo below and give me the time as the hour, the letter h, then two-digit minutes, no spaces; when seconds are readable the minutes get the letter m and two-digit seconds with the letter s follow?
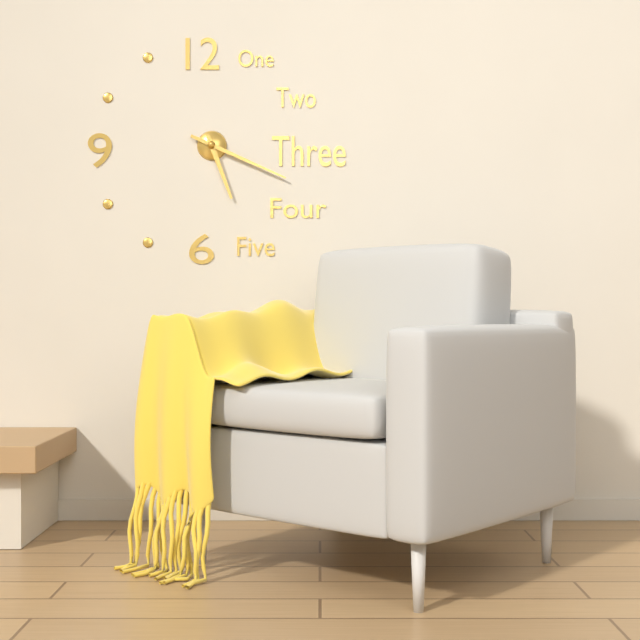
5h19
